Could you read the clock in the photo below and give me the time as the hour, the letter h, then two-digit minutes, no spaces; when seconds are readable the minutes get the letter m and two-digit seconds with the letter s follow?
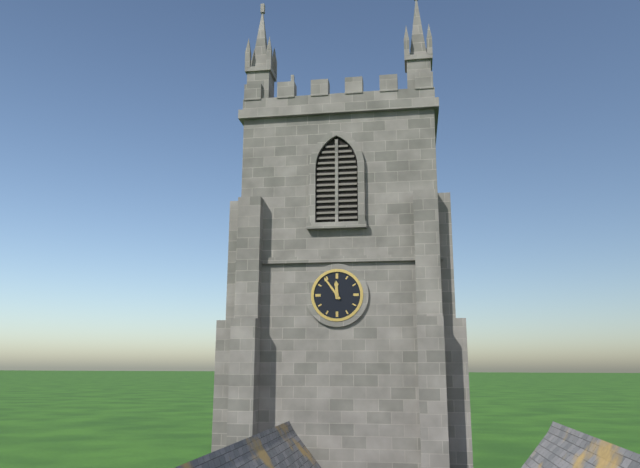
11h54
